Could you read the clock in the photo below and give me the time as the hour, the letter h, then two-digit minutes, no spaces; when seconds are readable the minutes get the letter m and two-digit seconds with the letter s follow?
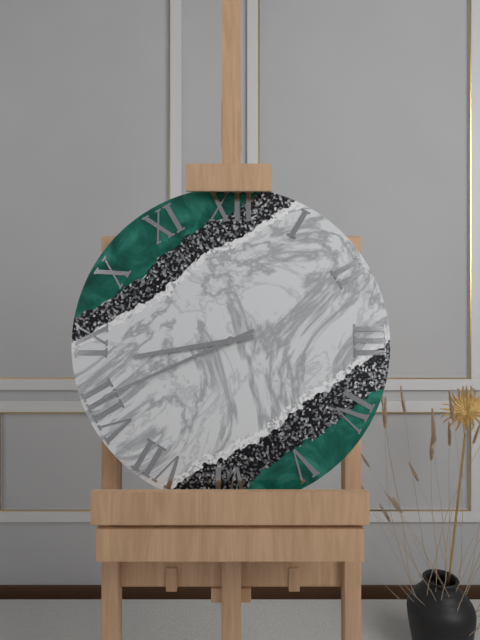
8h41
